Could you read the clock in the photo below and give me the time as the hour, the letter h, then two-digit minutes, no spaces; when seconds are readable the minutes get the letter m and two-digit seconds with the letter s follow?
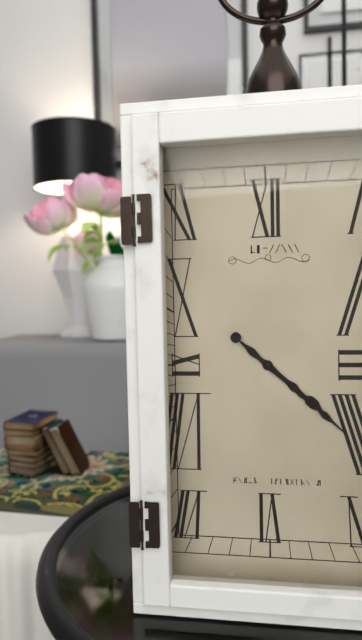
4h22
